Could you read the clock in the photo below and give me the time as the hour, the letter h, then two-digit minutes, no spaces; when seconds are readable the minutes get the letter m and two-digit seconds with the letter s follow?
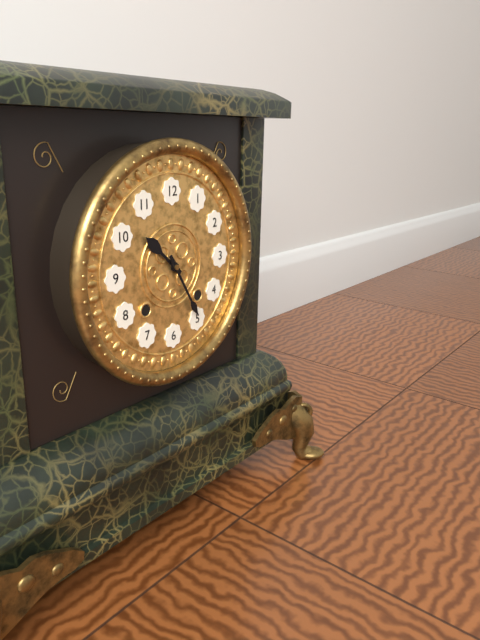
10h25
